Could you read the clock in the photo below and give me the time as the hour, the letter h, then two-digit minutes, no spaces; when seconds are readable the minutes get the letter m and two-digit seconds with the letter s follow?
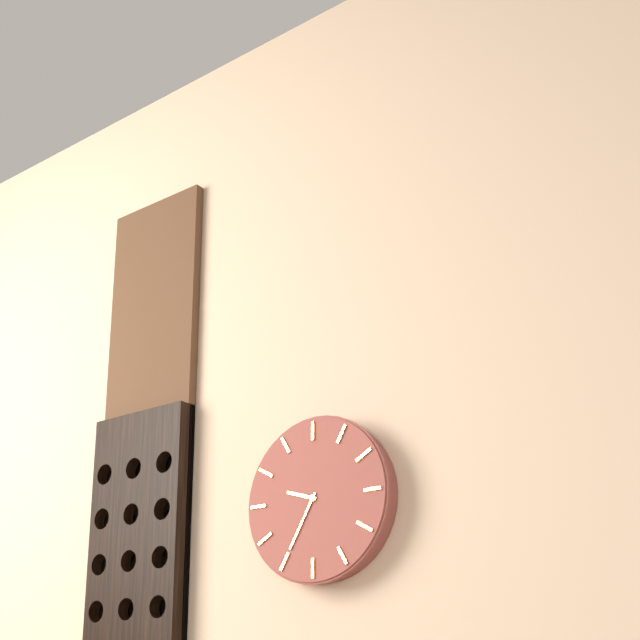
9h35
